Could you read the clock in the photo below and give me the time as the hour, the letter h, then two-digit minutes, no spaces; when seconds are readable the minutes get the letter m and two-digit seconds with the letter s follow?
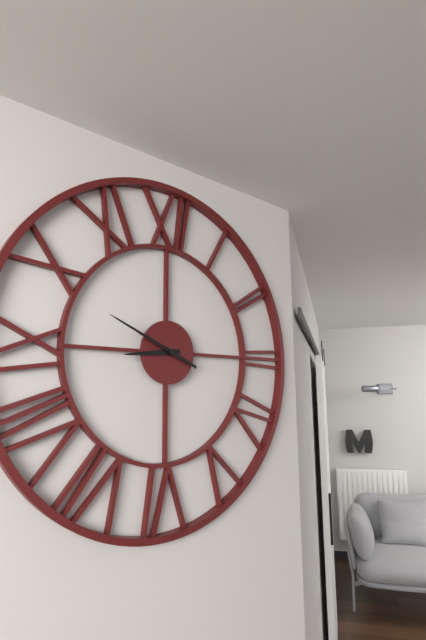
8h49
